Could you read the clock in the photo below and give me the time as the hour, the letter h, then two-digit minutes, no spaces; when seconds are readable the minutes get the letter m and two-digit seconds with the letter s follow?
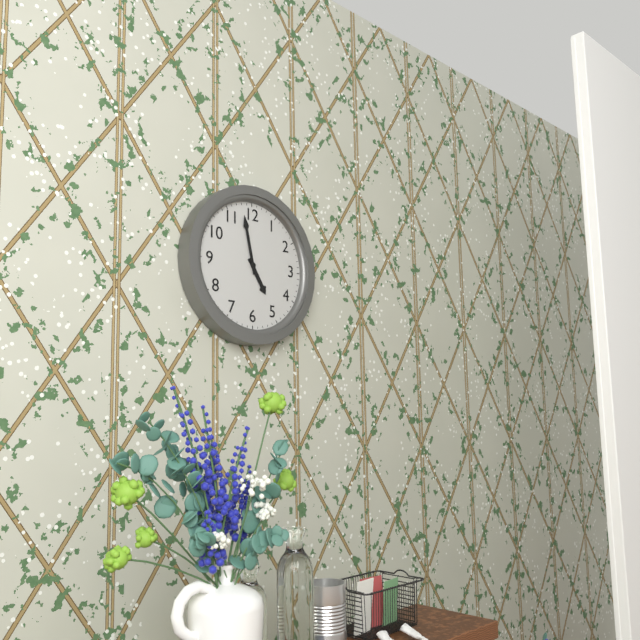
4h58
